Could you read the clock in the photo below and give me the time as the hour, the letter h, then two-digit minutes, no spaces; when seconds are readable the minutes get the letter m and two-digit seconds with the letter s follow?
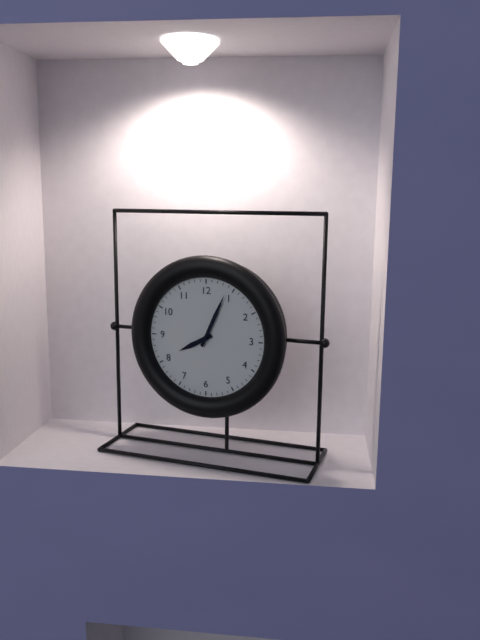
8h04
